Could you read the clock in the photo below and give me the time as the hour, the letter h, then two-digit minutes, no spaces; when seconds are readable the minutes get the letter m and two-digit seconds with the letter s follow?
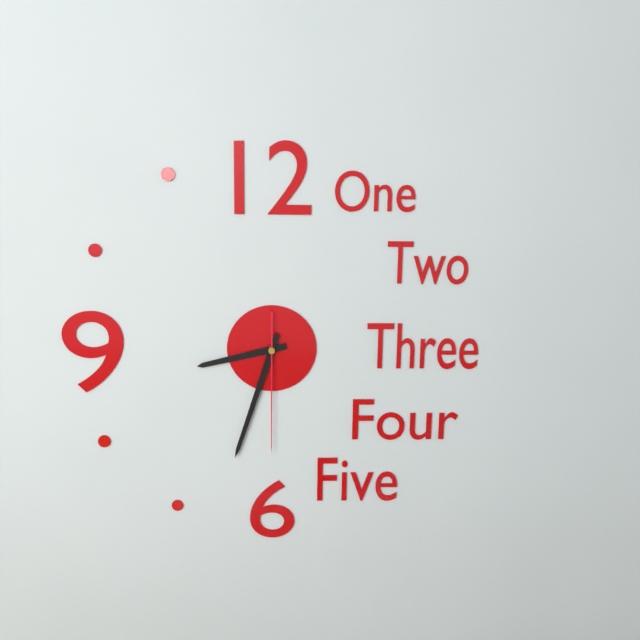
8h33m30s
